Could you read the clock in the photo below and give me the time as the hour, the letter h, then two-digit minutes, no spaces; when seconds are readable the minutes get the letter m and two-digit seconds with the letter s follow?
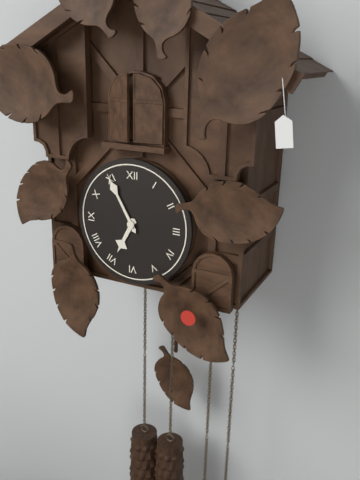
6h55
